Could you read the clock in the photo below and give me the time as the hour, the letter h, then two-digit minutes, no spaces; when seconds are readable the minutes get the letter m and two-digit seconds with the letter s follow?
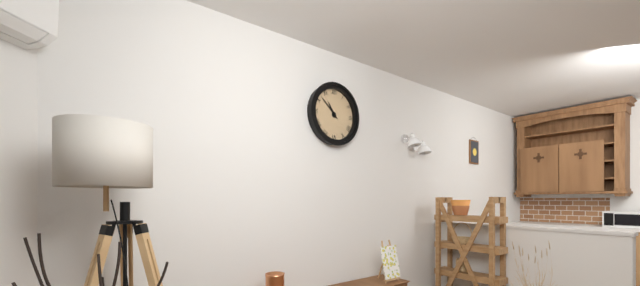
10h52
